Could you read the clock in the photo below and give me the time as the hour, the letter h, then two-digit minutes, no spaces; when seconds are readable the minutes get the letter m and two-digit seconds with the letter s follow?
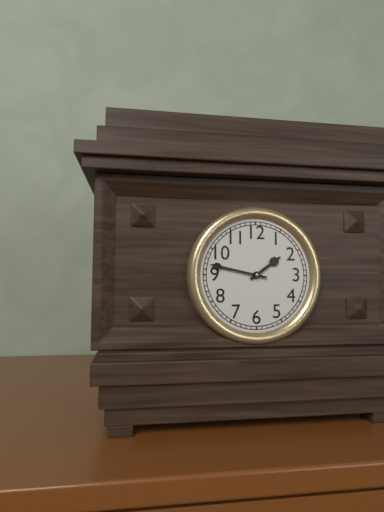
1h47
